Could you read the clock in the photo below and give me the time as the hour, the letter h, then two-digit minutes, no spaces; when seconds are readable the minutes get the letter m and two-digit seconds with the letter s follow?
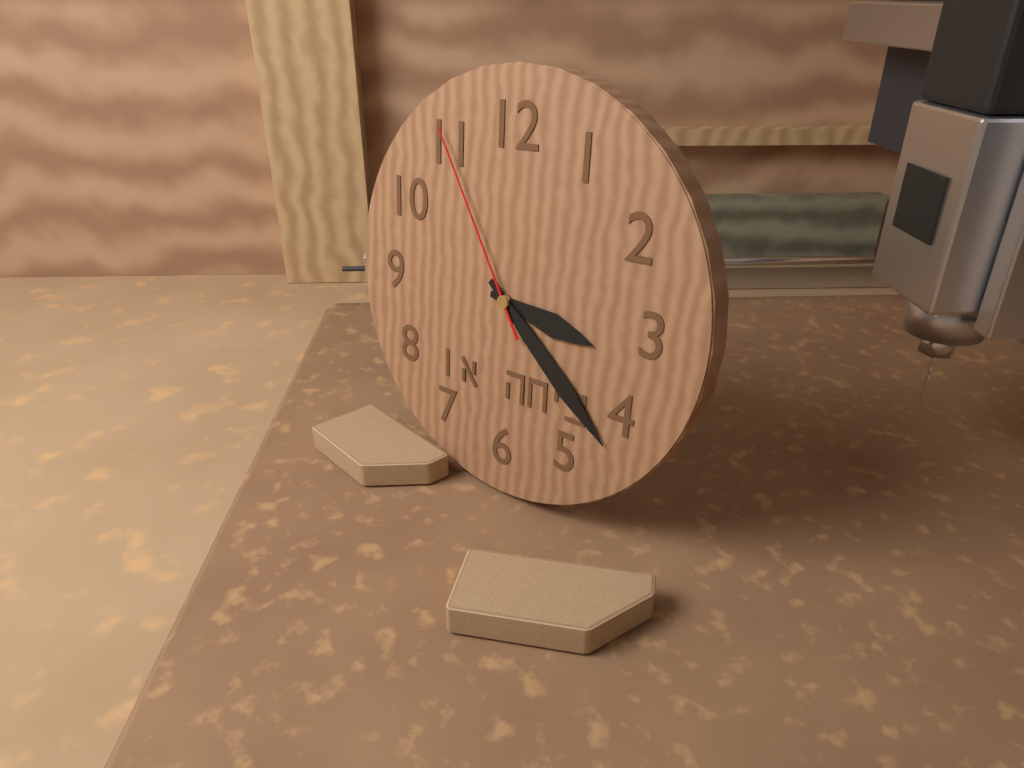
3h22m55s
